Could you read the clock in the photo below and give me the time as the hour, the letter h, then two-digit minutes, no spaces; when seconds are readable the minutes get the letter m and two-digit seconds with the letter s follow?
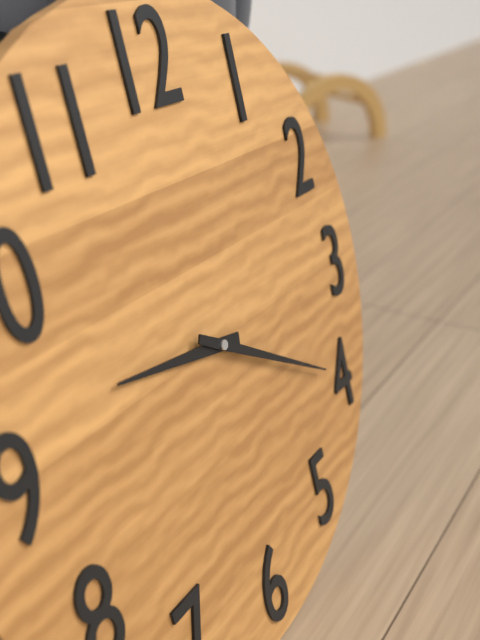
9h20
